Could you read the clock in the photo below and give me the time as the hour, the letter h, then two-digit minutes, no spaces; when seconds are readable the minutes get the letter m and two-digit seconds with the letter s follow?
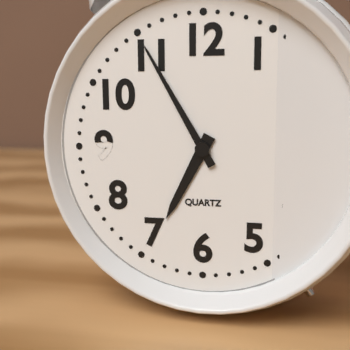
6h55
